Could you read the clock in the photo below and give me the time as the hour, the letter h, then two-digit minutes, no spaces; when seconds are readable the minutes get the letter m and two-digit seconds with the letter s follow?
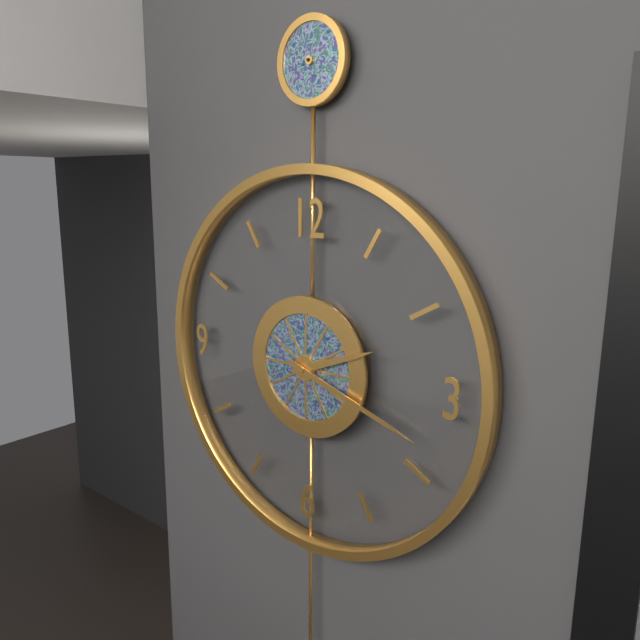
2h18
